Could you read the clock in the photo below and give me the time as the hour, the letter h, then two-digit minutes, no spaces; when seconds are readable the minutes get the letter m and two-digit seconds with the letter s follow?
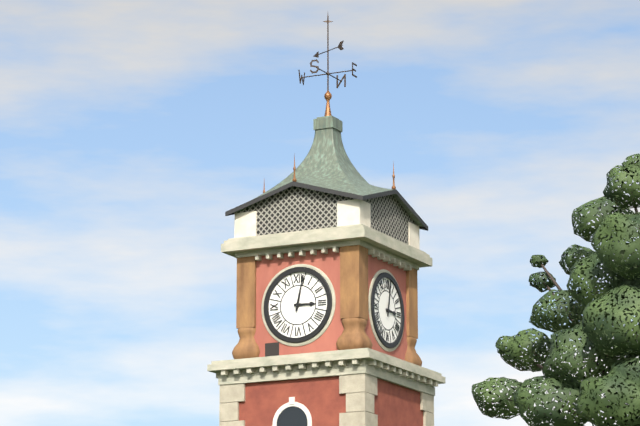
3h02
